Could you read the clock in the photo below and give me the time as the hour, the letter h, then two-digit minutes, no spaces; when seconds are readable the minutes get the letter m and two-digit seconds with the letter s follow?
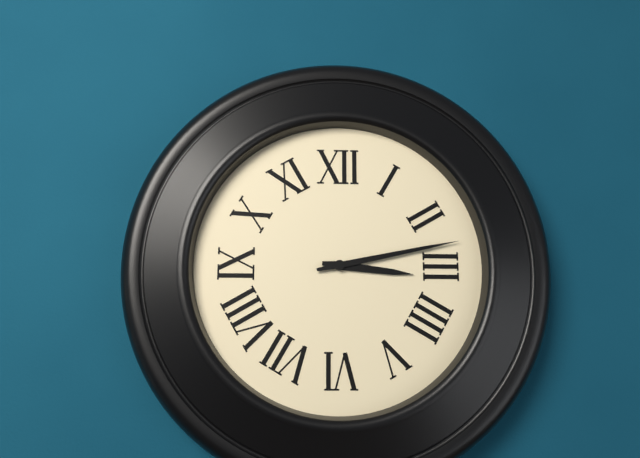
3h13
